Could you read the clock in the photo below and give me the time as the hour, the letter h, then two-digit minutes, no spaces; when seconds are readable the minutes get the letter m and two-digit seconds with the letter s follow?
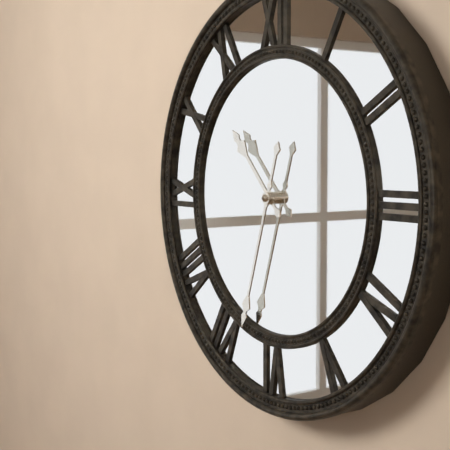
10h33
